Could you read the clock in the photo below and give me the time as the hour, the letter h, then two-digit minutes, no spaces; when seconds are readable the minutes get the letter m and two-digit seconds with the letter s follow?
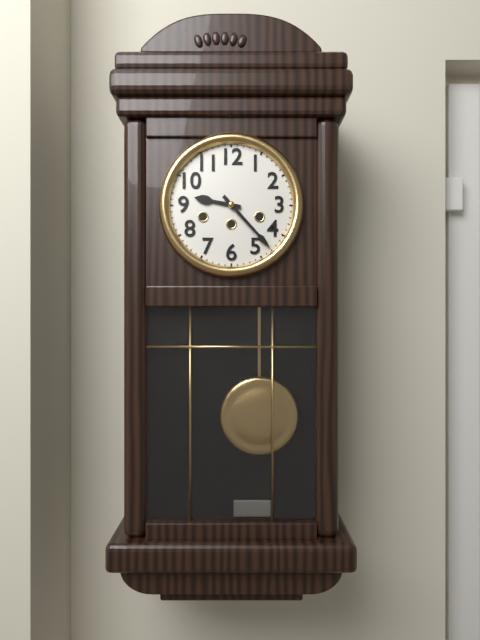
9h23
